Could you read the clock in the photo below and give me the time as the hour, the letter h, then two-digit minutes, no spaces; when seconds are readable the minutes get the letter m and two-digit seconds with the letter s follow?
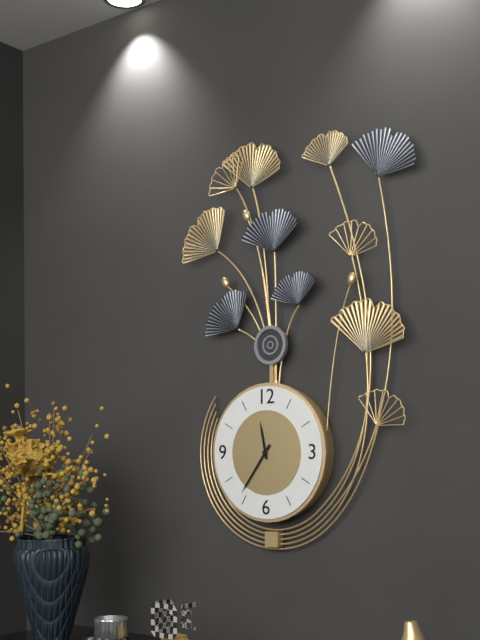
11h36
